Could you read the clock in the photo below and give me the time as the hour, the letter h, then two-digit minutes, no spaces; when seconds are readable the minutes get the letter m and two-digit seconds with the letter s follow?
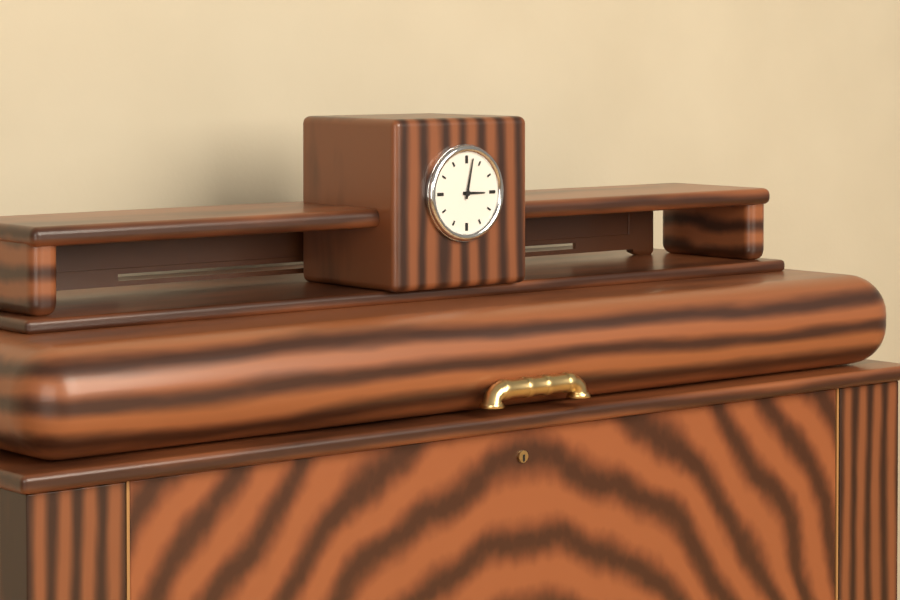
3h02
